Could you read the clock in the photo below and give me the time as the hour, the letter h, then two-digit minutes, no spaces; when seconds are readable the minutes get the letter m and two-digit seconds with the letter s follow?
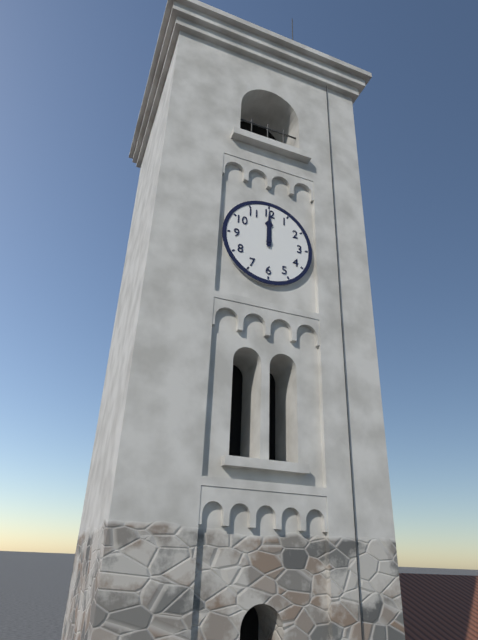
12h00
